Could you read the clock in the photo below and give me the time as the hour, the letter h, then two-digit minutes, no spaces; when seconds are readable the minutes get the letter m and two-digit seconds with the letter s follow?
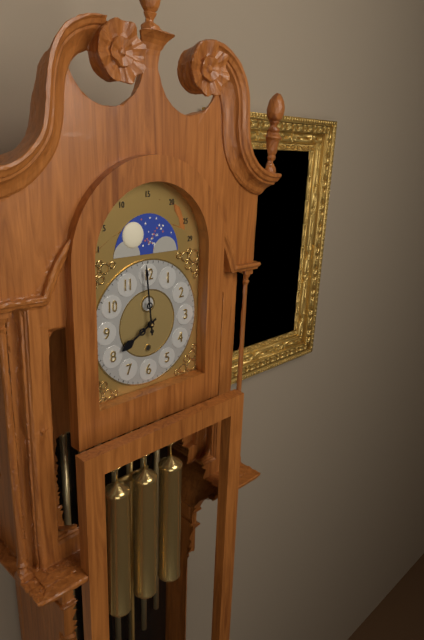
7h59
